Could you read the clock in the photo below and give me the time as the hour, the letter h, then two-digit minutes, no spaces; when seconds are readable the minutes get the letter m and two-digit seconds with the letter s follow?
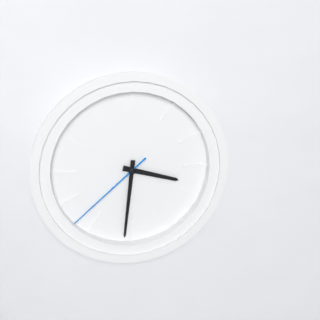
3h31m38s
